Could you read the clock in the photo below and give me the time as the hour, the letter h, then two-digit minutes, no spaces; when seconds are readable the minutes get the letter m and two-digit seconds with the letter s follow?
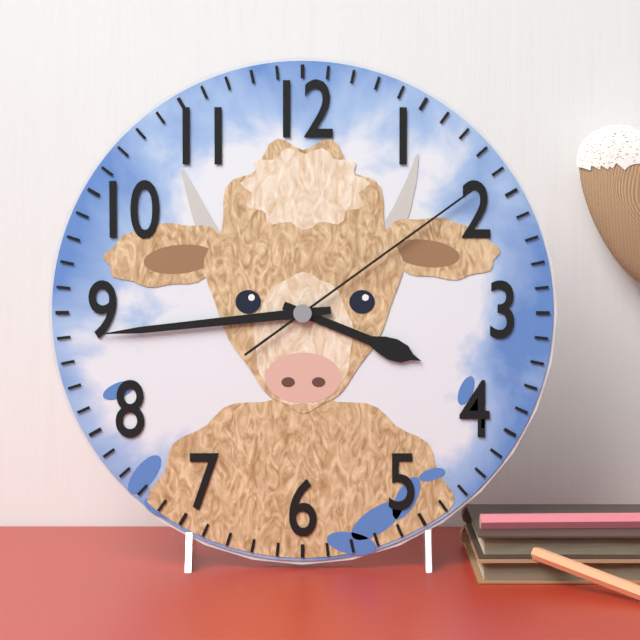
3h44m09s
